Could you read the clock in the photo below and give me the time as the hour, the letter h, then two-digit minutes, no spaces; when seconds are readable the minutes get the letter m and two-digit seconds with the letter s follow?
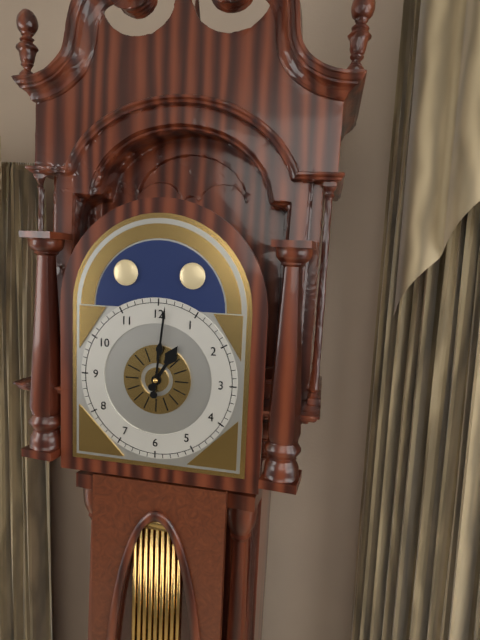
1h01
